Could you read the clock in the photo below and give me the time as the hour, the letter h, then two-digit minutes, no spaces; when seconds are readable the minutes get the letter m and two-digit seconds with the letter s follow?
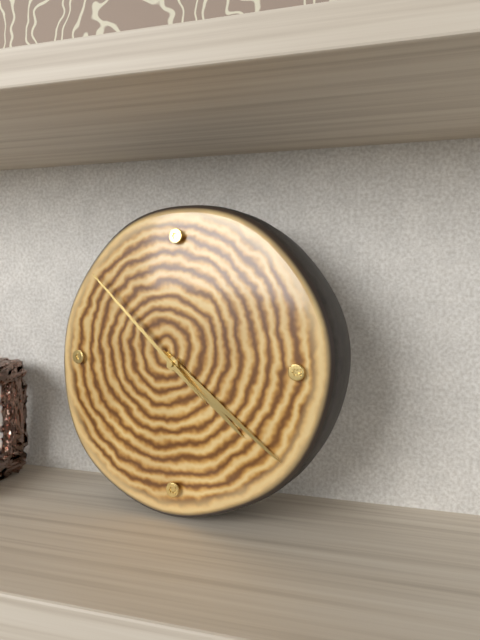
4h21m52s
